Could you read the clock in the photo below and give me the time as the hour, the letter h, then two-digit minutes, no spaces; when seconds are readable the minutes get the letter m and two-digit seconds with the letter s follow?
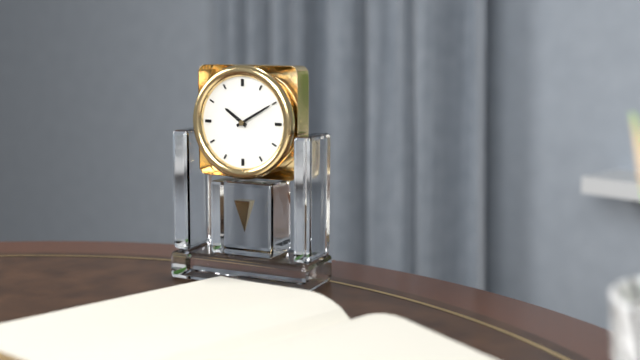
10h10
